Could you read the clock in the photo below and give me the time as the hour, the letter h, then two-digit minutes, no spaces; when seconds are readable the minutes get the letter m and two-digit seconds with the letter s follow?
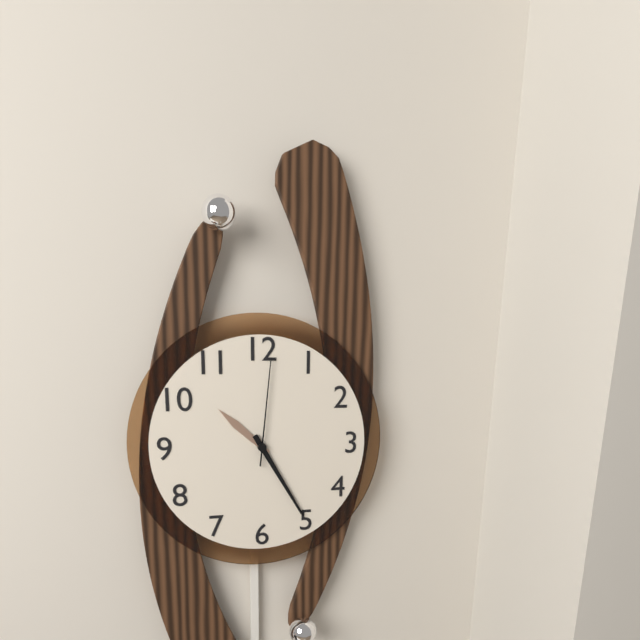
10h25m01s
